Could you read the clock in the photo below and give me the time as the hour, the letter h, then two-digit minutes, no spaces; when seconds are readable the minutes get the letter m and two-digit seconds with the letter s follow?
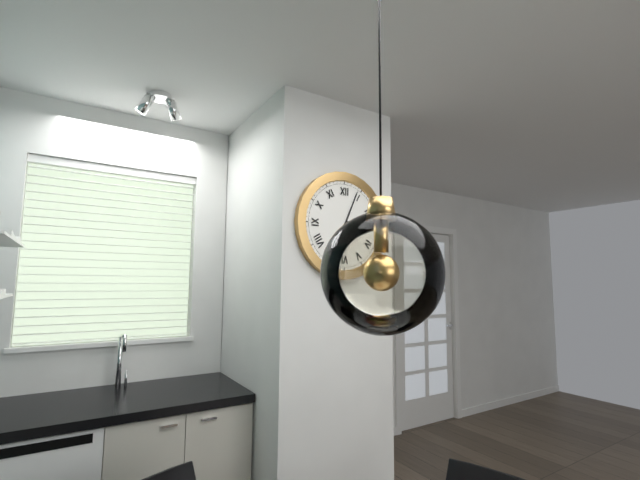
7h04
